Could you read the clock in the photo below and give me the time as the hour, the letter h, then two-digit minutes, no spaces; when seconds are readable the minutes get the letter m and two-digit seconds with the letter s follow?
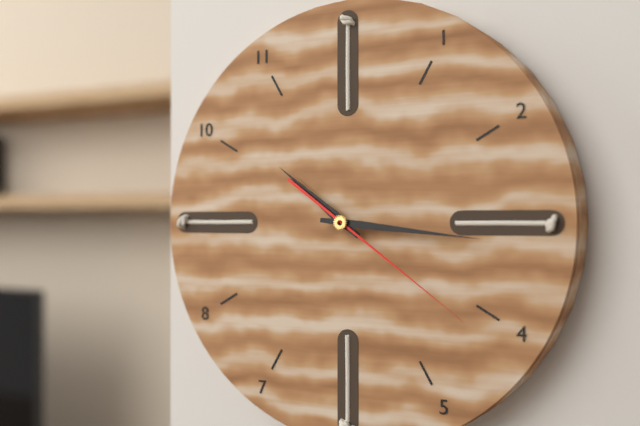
10h16m21s
